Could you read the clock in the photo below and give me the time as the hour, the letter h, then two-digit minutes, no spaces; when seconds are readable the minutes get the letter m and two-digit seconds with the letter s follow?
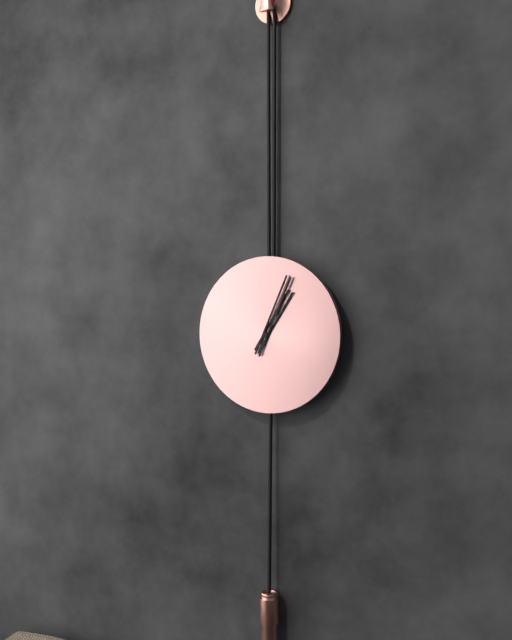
1h04
